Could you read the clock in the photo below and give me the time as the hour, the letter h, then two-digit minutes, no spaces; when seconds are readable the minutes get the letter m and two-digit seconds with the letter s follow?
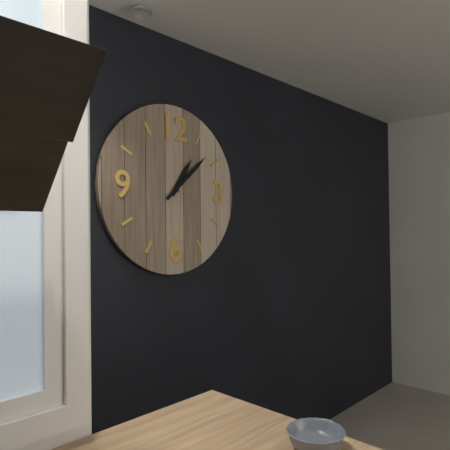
1h08
